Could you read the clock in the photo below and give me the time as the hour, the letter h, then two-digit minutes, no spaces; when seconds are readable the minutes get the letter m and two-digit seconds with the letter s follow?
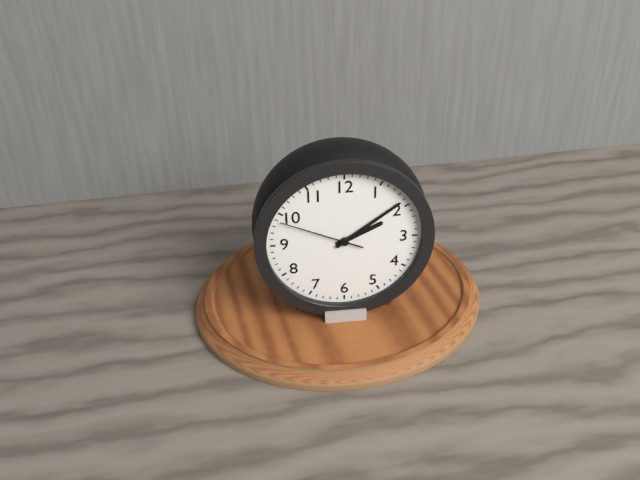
2h09m49s
